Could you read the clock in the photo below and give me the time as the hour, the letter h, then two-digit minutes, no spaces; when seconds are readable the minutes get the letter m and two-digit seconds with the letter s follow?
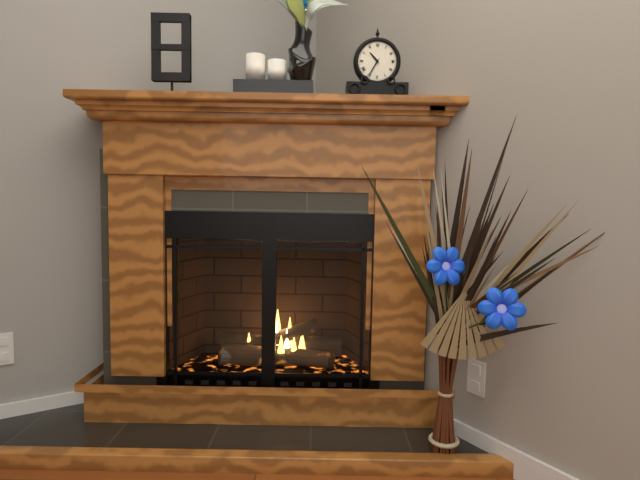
10h35
